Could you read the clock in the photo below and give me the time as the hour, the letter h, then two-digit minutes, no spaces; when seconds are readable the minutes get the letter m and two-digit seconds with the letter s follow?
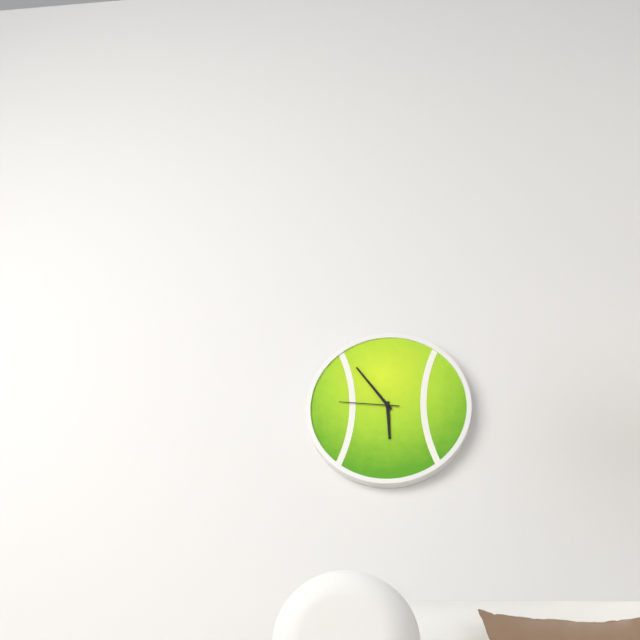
5h54m46s
